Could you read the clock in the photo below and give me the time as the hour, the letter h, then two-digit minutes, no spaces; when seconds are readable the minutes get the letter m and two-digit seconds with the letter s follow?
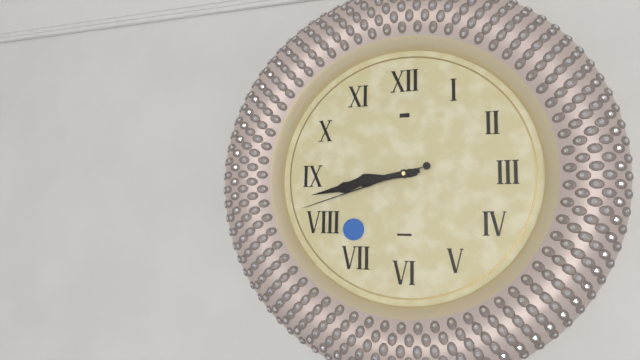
8h43m42s
